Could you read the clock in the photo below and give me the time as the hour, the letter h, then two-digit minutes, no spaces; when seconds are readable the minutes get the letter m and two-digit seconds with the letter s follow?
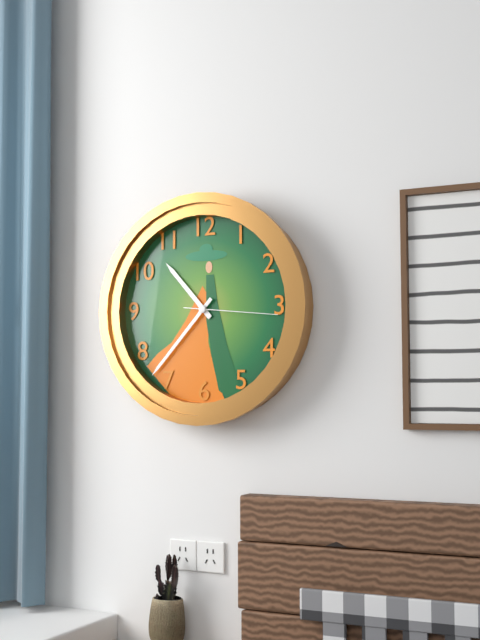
10h37m16s
